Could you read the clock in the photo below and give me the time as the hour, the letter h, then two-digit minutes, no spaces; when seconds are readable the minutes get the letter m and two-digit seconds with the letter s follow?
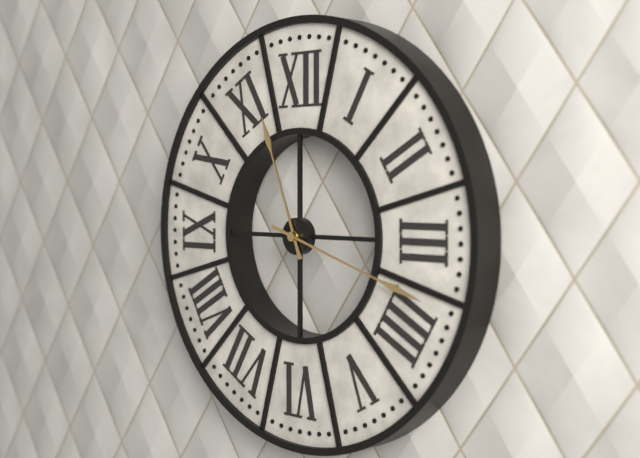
11h18
